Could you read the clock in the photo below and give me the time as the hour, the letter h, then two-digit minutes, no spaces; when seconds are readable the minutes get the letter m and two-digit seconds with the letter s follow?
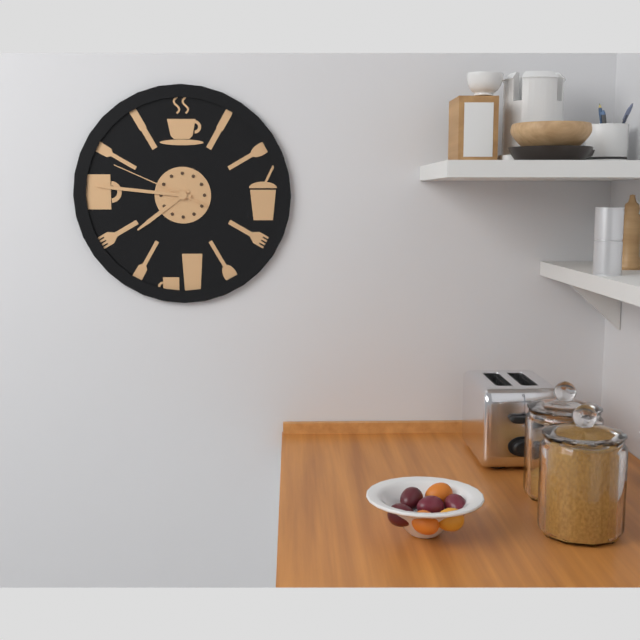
7h46m49s
